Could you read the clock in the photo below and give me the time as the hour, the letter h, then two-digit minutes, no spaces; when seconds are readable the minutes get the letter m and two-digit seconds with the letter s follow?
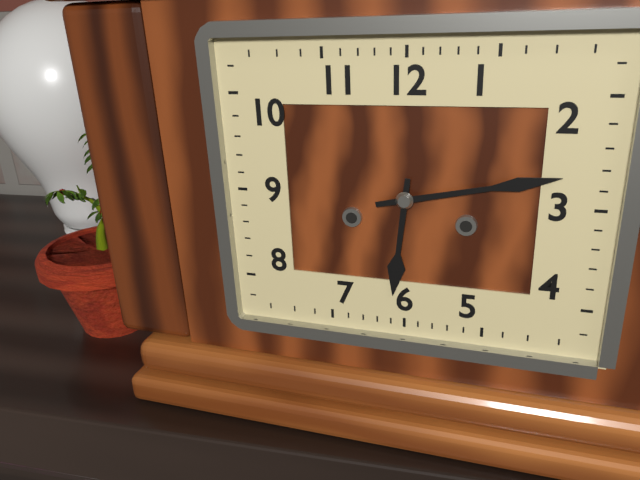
6h13
